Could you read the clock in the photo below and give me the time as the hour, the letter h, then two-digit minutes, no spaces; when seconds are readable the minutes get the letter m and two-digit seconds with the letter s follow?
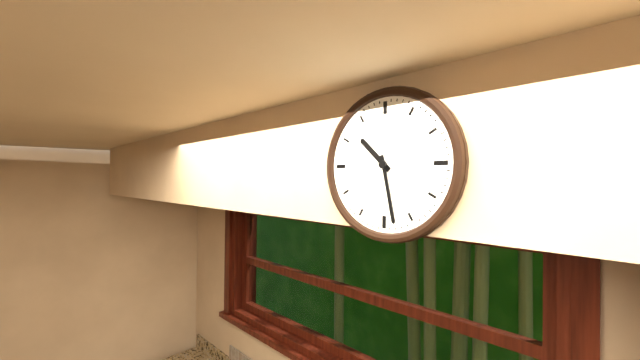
10h28
